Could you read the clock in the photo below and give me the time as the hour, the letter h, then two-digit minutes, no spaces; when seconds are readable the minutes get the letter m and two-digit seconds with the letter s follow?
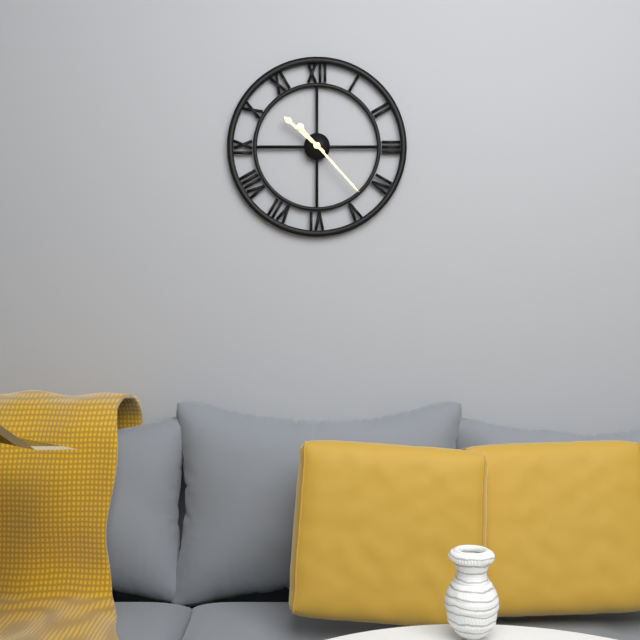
10h23
